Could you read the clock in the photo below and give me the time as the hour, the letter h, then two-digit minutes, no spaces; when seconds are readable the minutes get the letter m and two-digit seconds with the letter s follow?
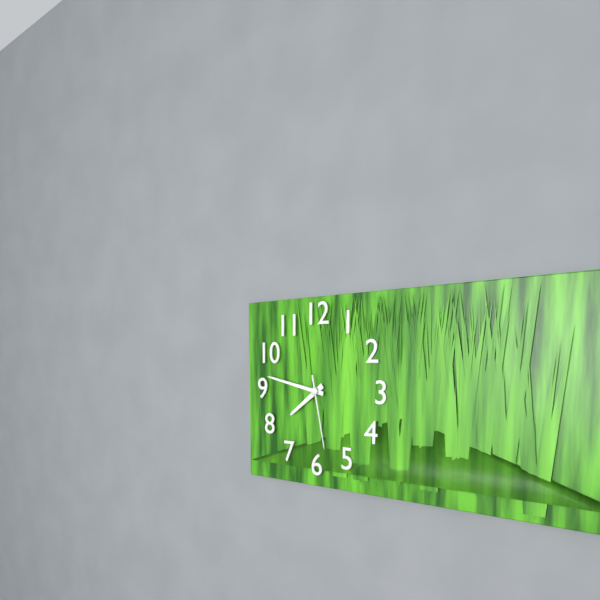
7h47m28s
